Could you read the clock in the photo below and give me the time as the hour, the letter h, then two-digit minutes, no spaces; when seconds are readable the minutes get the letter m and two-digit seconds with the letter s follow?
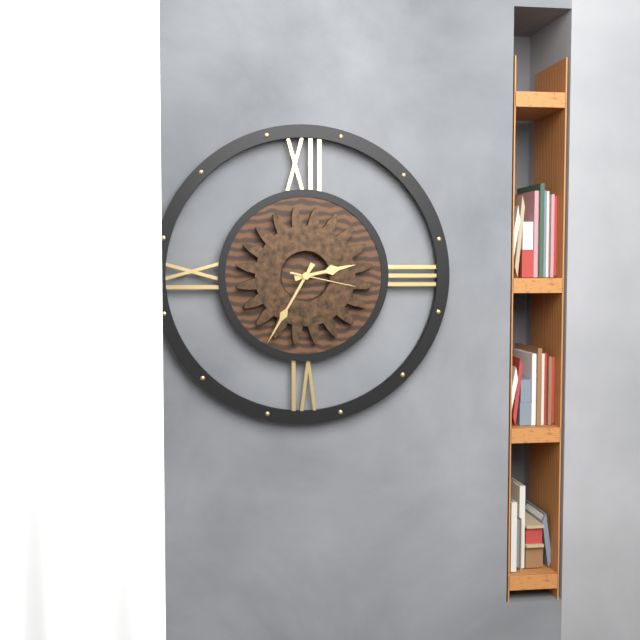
2h35m17s
